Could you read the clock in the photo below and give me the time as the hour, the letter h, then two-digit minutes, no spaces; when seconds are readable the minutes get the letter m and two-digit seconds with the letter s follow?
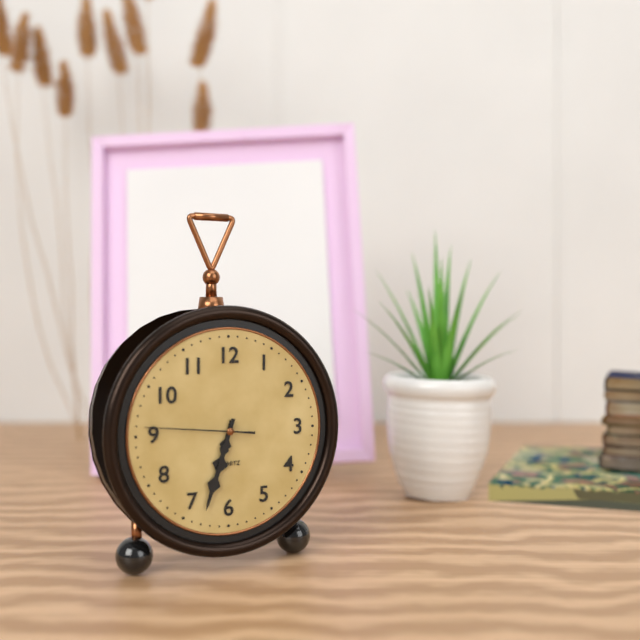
6h33m46s
